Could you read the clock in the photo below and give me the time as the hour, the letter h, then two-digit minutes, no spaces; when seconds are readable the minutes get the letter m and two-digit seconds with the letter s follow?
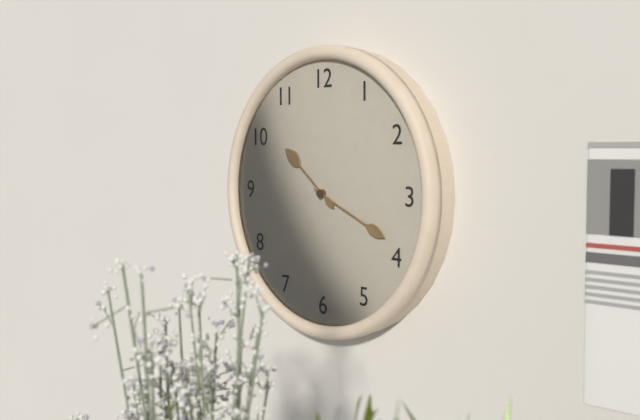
10h19
